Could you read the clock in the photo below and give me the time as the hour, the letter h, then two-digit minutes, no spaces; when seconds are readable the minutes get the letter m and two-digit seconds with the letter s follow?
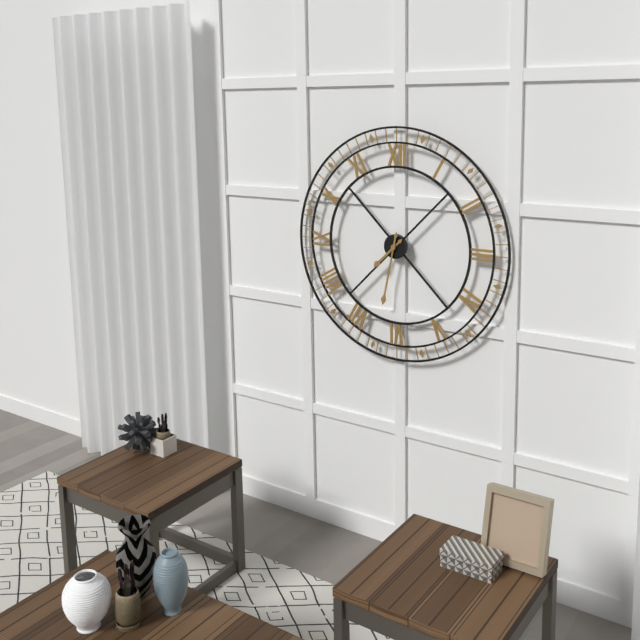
7h32
